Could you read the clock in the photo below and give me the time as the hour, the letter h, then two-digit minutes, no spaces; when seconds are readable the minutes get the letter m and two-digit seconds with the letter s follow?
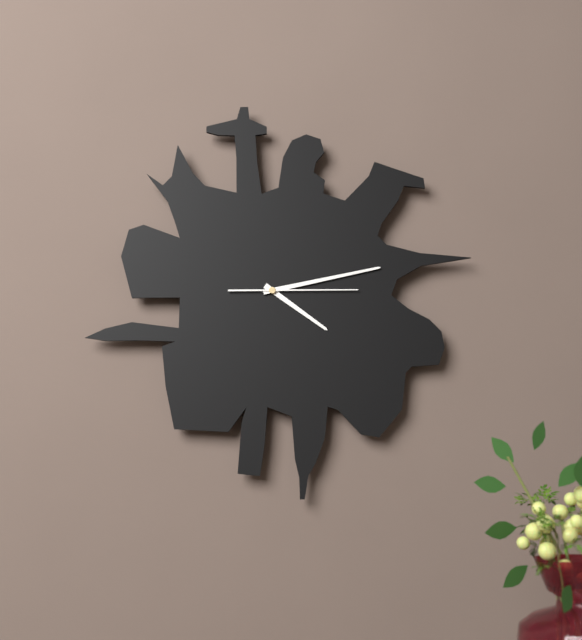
4h13m15s
